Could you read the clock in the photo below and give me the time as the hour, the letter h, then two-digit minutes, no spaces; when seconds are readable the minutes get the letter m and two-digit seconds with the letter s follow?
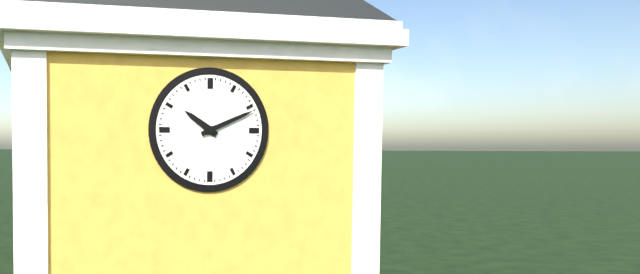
10h11
